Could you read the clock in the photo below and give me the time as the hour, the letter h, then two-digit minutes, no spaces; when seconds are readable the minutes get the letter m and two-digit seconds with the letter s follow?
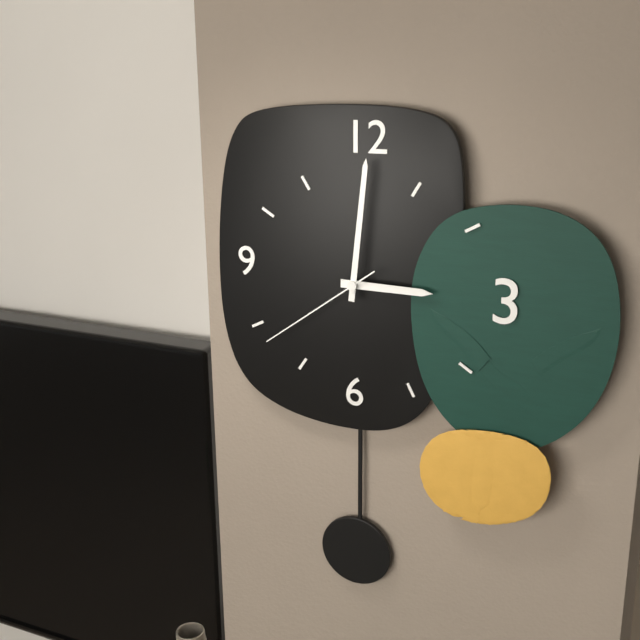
3h01m39s
